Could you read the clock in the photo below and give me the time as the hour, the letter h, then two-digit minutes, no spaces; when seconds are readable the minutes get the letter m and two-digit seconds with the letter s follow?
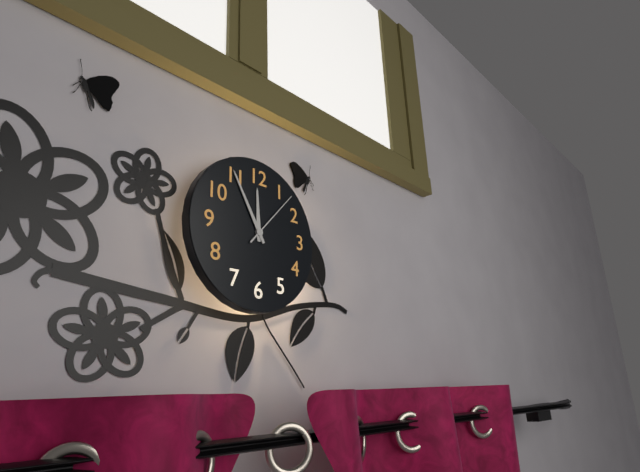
11h55m07s
